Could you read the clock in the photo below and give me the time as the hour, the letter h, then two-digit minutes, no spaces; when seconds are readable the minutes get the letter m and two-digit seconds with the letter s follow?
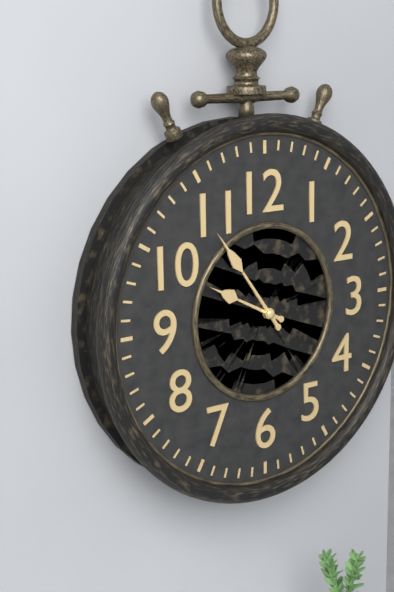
9h54
